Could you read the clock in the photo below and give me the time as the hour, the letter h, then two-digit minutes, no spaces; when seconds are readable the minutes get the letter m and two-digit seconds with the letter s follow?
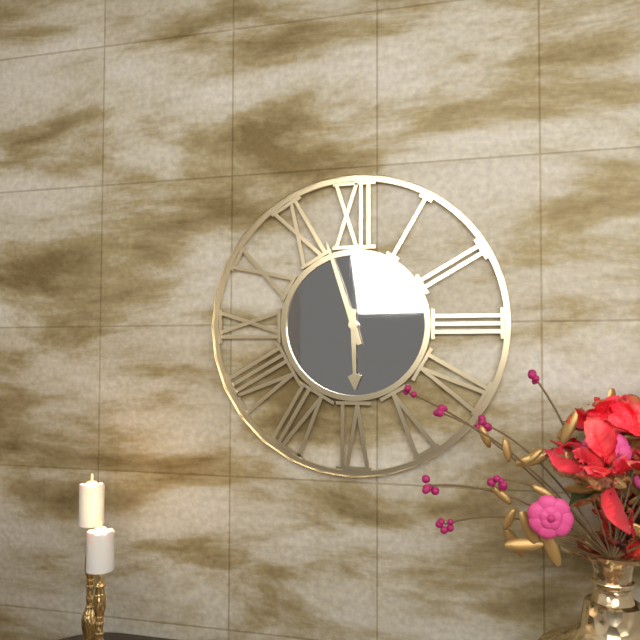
5h57
